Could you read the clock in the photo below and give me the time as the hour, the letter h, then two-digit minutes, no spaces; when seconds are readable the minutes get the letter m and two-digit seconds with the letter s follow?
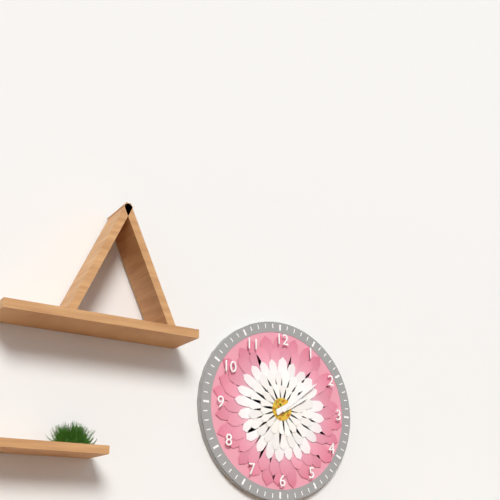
2h09
